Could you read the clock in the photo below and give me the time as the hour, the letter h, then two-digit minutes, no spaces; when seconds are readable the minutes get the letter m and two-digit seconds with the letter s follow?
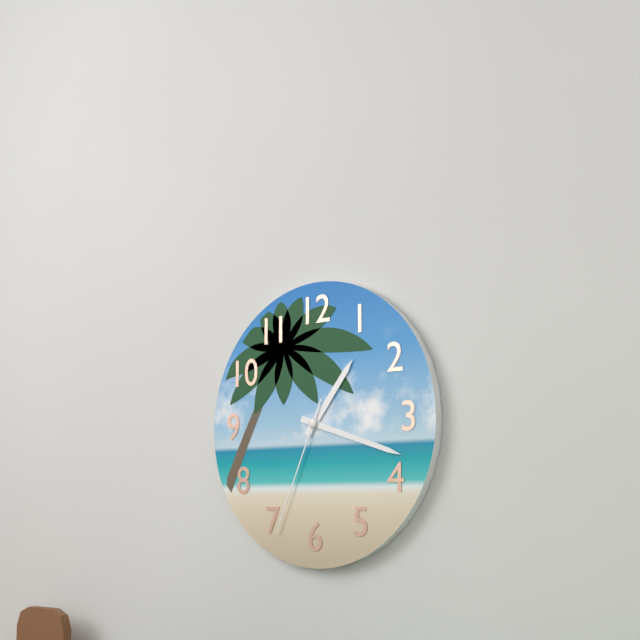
1h18m34s
